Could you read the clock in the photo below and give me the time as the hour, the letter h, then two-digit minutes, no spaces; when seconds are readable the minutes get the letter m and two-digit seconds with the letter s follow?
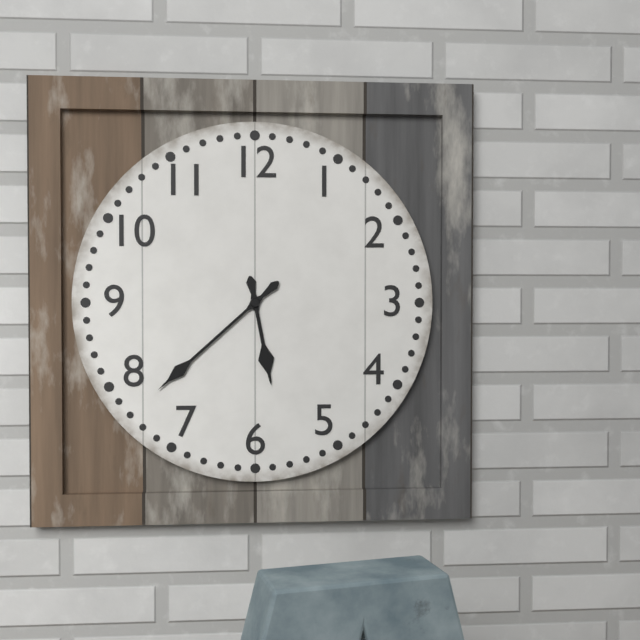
5h38
